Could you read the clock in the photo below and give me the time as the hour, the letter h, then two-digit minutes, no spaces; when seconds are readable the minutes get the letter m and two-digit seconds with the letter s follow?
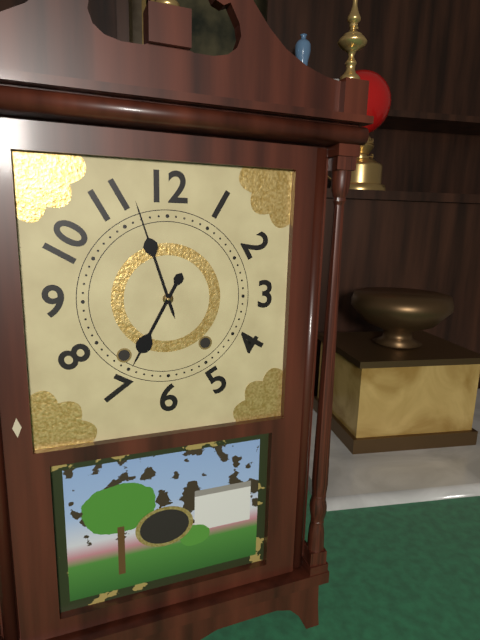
6h57
